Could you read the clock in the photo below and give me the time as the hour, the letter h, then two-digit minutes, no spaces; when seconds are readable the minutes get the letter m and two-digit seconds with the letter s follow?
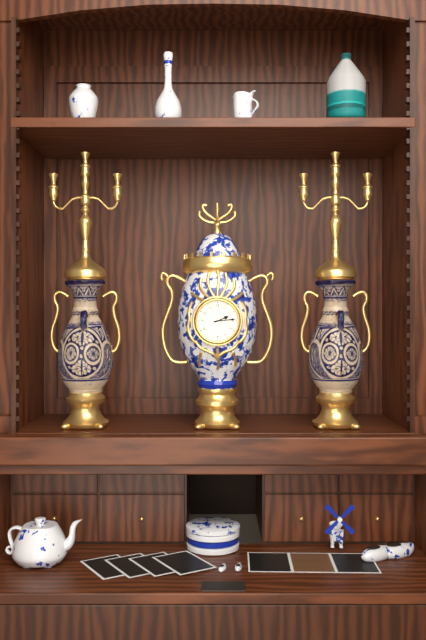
2h14
